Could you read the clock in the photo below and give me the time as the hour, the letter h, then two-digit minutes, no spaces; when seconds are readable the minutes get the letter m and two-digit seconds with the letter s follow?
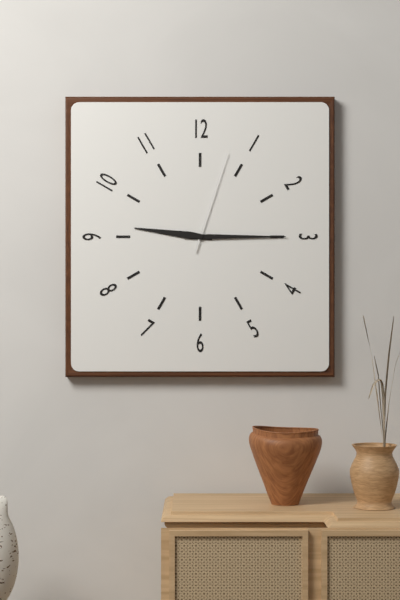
9h15m03s
